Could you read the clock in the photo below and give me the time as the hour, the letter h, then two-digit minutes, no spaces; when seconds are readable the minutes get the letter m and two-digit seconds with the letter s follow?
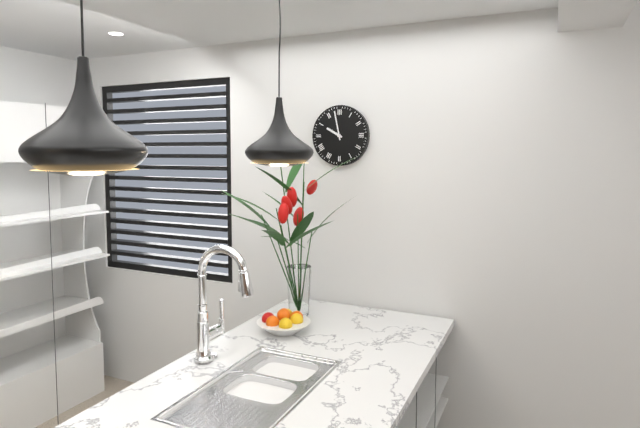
9h58
